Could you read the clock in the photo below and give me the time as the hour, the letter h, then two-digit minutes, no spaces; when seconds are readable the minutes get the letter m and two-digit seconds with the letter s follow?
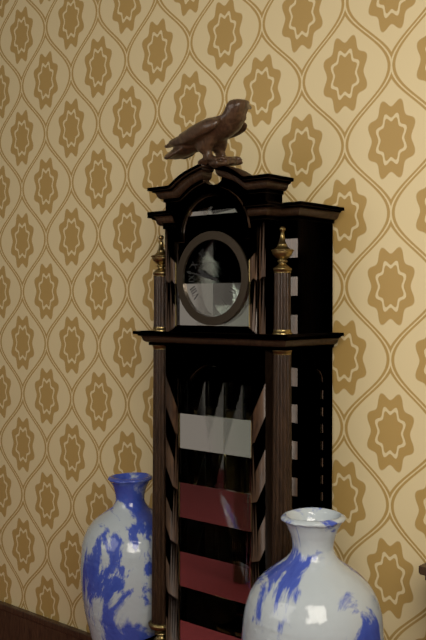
9h47
